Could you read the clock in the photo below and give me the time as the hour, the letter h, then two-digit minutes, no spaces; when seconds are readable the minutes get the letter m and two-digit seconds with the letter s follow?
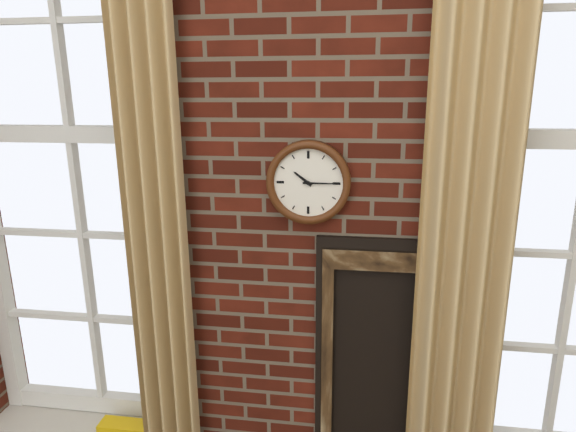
10h15
